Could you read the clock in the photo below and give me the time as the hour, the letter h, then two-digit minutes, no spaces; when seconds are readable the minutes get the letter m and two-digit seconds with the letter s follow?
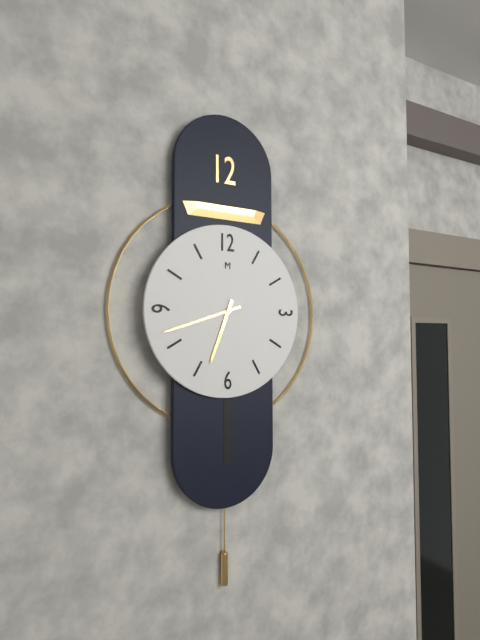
6h42
